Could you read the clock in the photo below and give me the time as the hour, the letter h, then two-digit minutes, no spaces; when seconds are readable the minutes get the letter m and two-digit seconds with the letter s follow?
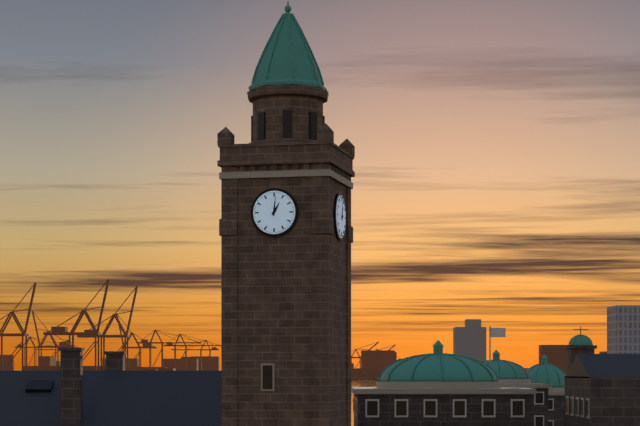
1h01
